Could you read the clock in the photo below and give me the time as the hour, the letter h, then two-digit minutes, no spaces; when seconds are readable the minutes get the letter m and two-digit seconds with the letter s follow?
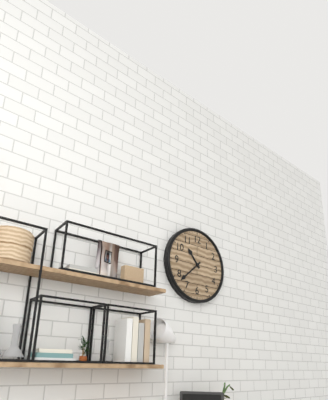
10h38
